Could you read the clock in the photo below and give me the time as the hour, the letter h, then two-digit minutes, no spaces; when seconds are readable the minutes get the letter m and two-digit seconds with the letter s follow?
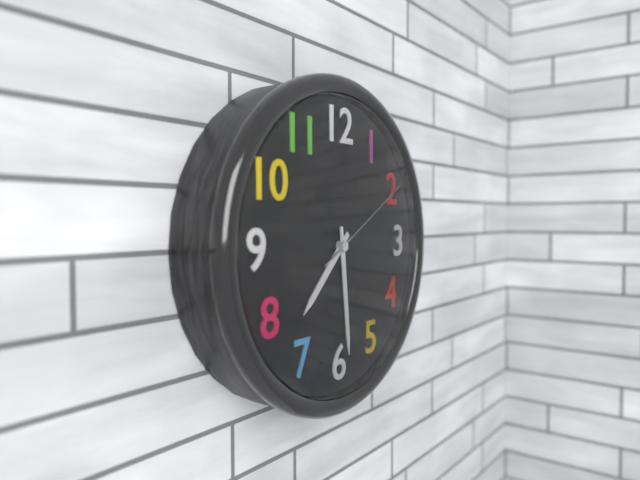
7h29m10s
